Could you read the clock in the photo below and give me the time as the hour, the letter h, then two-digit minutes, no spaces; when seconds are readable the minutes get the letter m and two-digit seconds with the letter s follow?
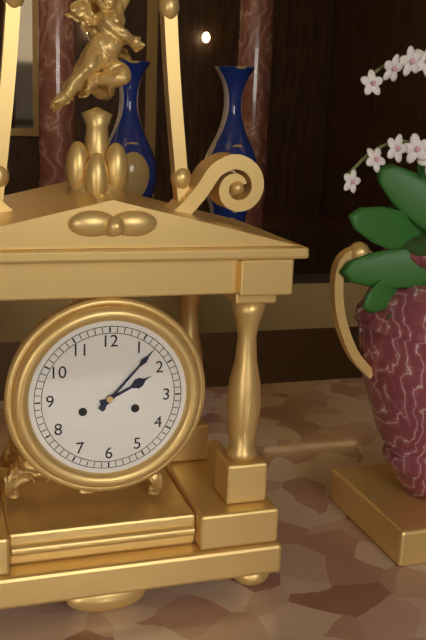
2h07
